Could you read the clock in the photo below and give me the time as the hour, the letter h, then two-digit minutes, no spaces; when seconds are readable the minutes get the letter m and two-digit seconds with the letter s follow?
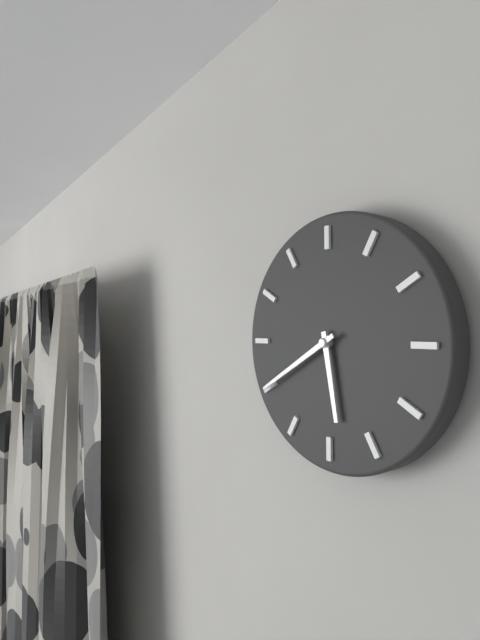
5h40
